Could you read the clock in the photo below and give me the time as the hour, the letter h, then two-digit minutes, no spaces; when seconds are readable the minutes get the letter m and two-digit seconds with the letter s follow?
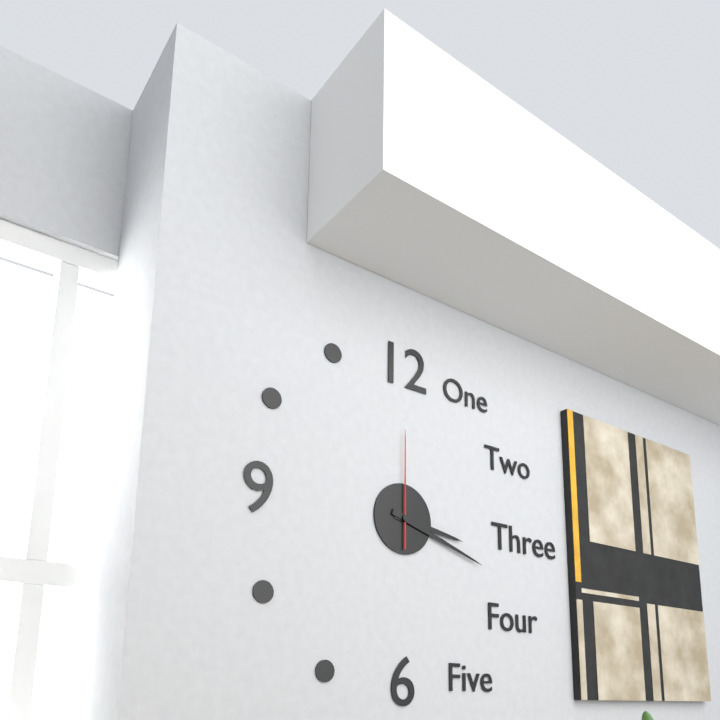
3h18m00s
